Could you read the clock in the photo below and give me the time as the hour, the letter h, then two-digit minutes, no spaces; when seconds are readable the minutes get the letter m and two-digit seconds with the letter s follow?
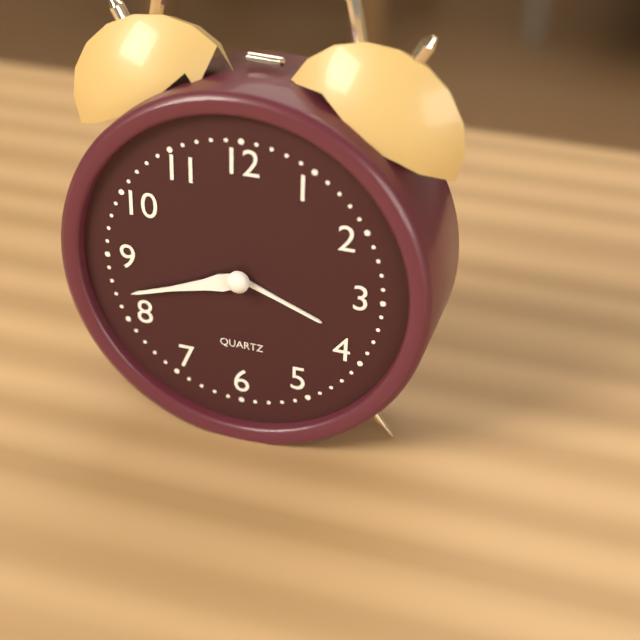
3h42
